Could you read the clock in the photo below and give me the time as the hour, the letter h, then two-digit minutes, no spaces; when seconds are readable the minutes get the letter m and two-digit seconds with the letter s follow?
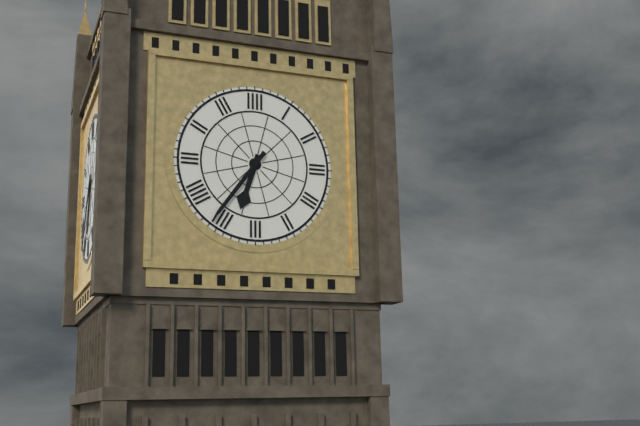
6h36
